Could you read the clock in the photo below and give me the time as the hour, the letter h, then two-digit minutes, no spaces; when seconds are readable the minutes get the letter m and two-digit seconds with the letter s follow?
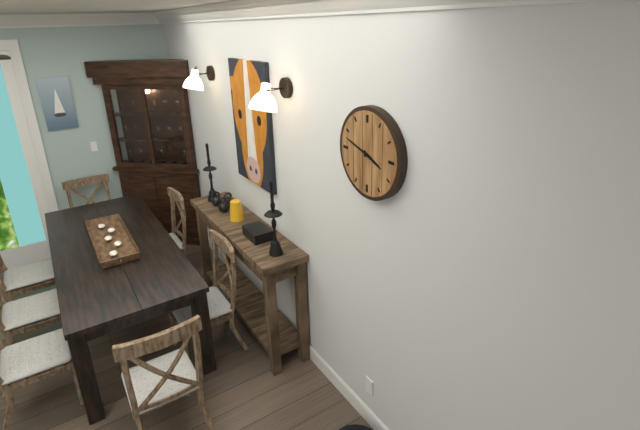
3h48
